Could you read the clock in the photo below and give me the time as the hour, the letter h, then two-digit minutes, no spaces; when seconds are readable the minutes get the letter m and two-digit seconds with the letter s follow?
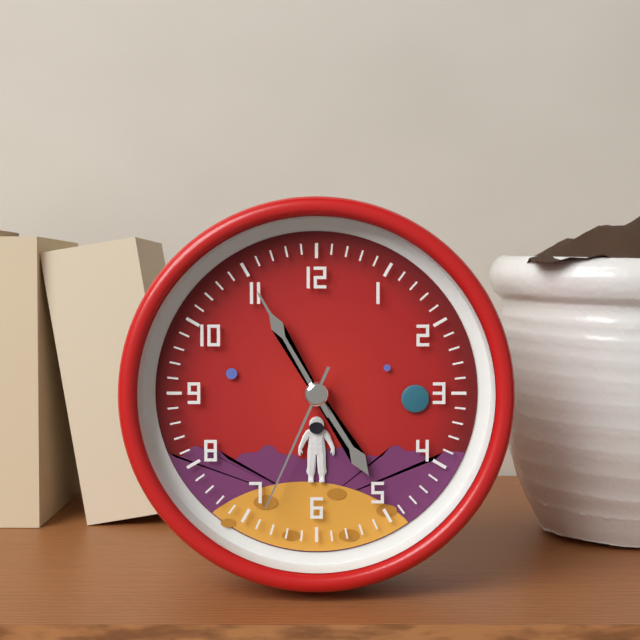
4h55m34s
